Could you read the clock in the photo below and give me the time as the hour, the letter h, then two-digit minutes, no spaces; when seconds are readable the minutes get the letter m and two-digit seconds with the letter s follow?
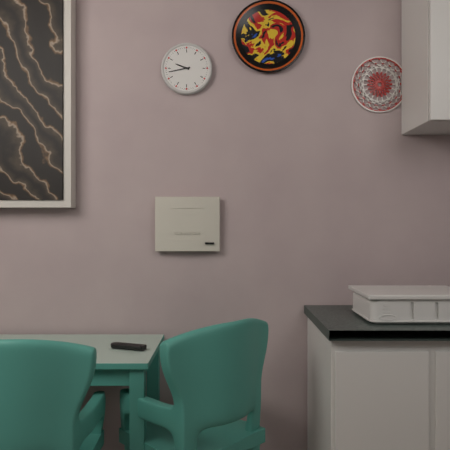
9h43
